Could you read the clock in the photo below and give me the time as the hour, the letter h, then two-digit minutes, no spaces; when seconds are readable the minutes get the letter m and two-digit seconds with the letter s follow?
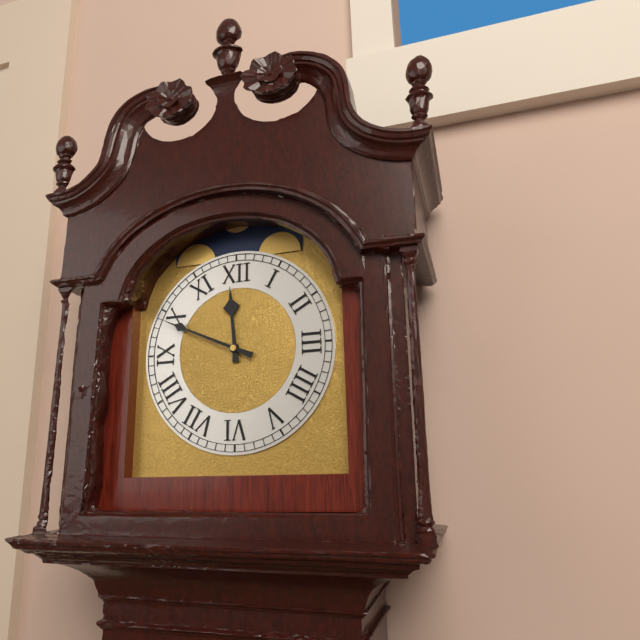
11h49
